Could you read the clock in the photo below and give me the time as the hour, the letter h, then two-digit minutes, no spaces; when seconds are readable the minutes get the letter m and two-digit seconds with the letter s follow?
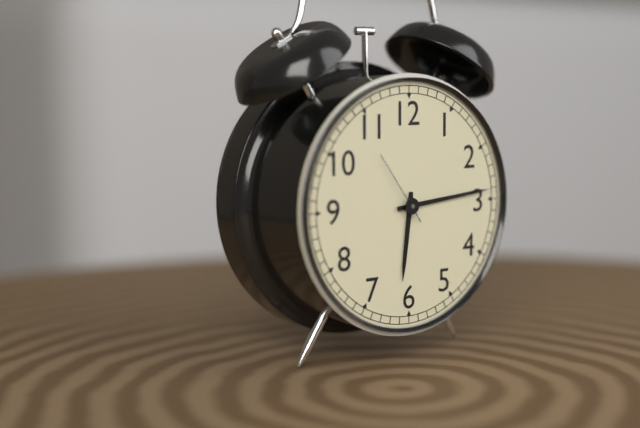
6h14m54s
